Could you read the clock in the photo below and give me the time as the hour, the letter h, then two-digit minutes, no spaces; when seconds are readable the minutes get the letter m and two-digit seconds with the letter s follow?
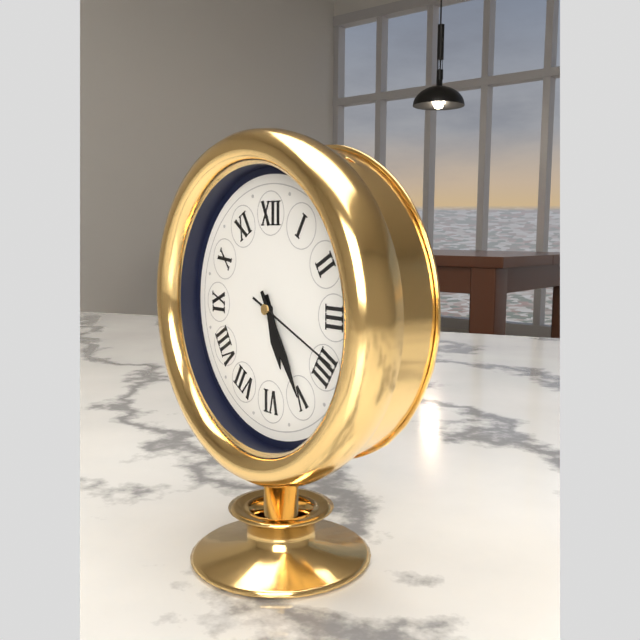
5h25m19s
